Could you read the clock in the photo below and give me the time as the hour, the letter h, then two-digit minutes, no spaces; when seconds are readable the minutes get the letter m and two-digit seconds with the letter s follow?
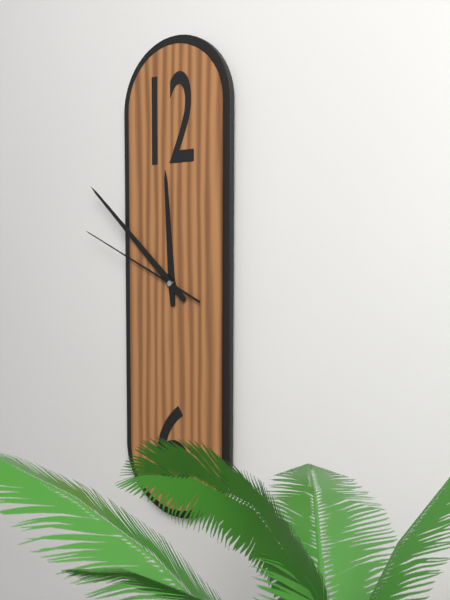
11h52m49s
